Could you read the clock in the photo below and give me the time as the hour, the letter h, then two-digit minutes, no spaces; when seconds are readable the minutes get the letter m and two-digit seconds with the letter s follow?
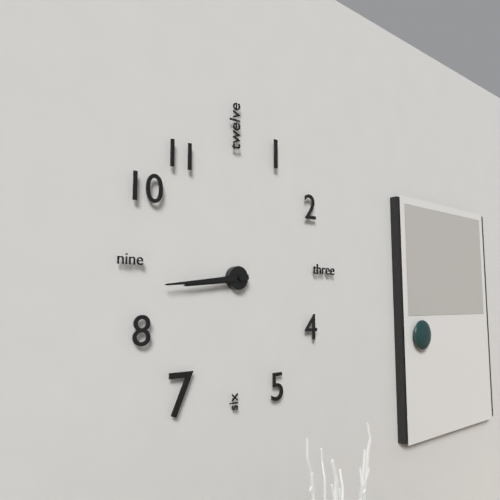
8h44
